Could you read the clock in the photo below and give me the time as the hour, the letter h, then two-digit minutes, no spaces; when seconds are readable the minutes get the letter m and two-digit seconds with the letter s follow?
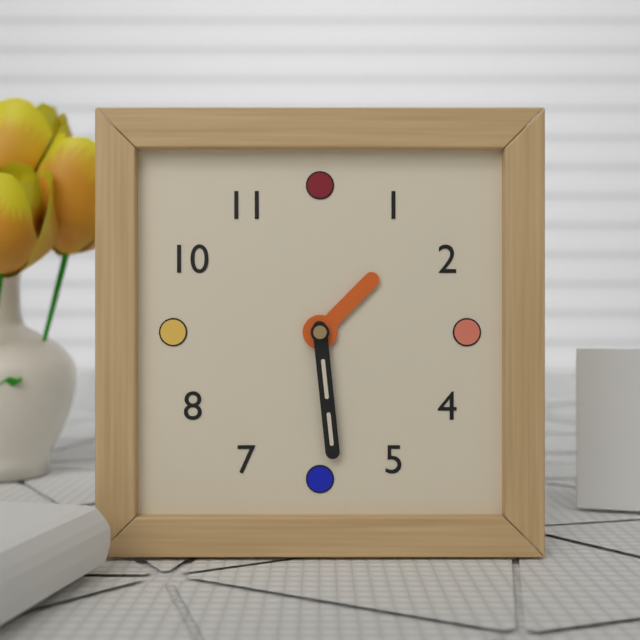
1h29
